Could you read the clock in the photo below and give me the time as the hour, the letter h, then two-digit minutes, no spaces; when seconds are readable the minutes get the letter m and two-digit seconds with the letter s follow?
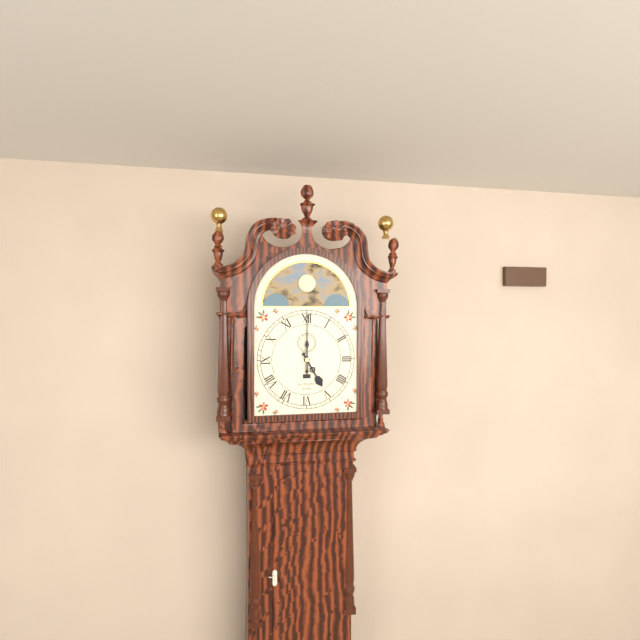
5h00
